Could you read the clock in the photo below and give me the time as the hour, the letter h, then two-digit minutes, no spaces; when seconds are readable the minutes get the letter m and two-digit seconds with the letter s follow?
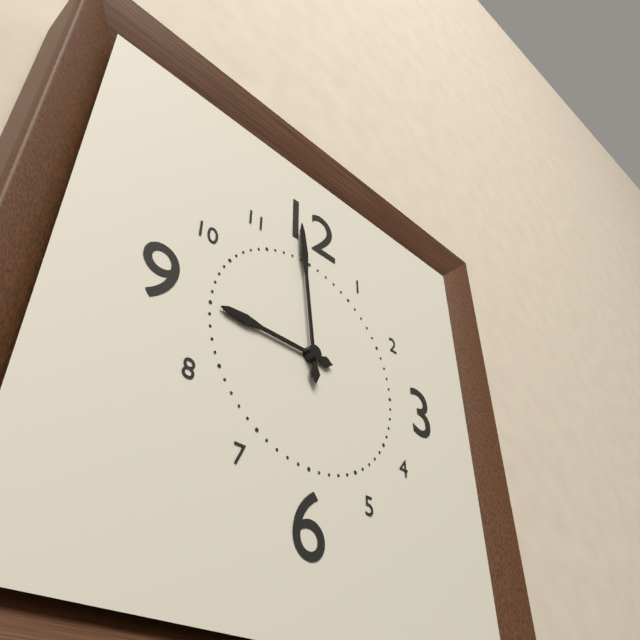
8h59
